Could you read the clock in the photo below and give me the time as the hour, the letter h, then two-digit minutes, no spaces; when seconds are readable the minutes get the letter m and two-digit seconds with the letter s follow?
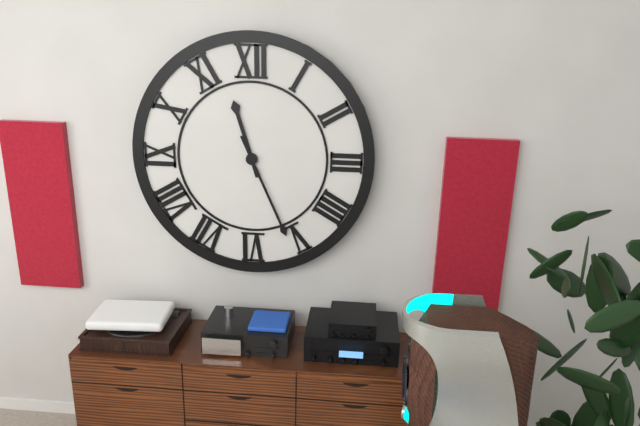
11h26
